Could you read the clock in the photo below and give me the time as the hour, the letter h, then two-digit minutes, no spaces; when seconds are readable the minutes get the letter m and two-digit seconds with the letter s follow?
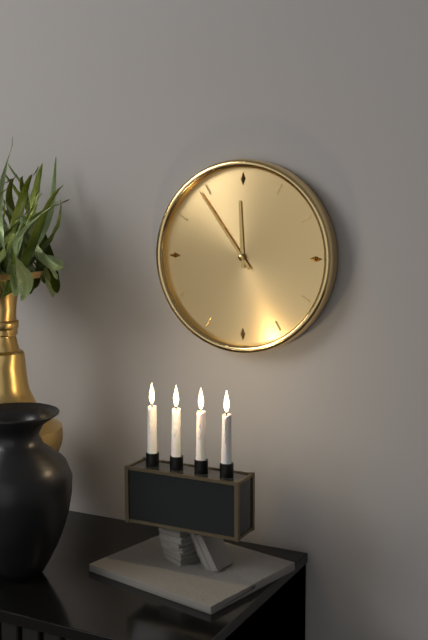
11h54
